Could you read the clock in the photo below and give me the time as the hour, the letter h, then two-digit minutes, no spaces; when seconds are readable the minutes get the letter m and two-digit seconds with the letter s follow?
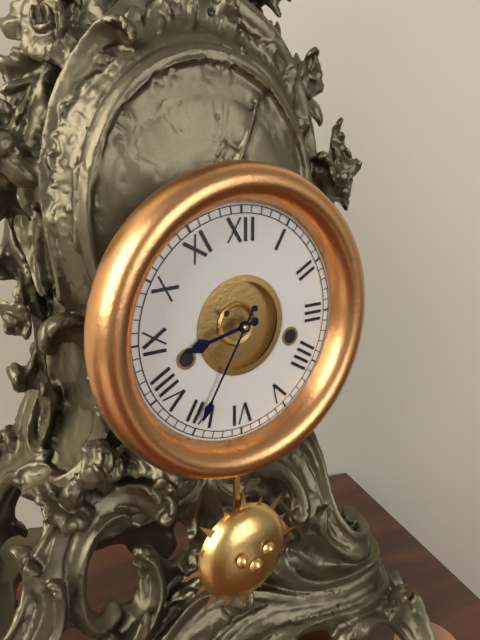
8h35
